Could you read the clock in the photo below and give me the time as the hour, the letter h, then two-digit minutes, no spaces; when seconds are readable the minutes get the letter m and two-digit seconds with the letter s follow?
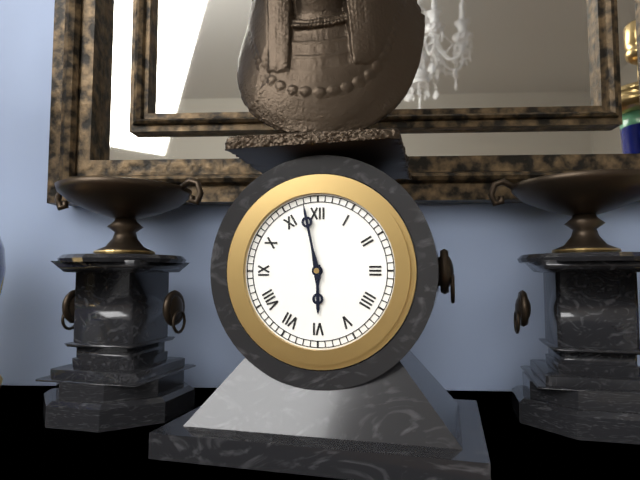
5h58
